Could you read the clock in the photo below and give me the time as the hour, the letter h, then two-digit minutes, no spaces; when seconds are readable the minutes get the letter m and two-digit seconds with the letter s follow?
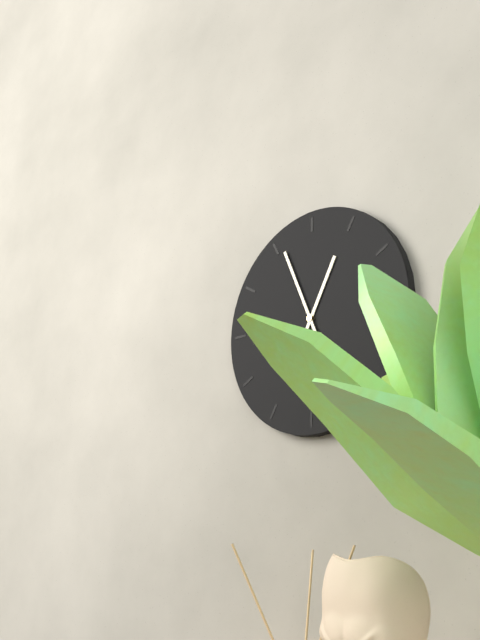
12h56
